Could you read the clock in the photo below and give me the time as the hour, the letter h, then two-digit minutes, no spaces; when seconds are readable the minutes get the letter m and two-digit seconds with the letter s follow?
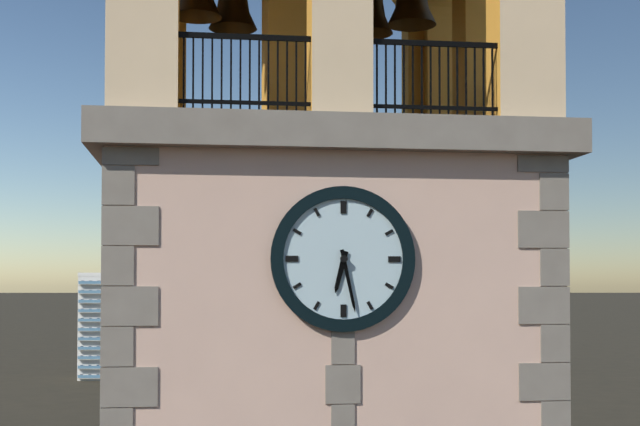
6h28
